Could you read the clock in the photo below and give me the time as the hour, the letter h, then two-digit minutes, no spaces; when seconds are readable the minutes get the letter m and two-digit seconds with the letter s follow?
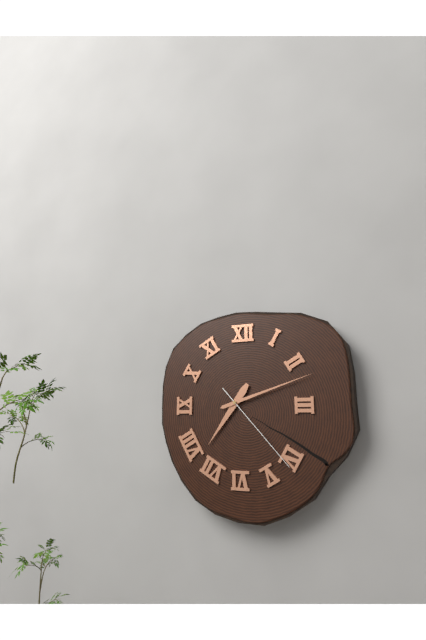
7h12m23s
